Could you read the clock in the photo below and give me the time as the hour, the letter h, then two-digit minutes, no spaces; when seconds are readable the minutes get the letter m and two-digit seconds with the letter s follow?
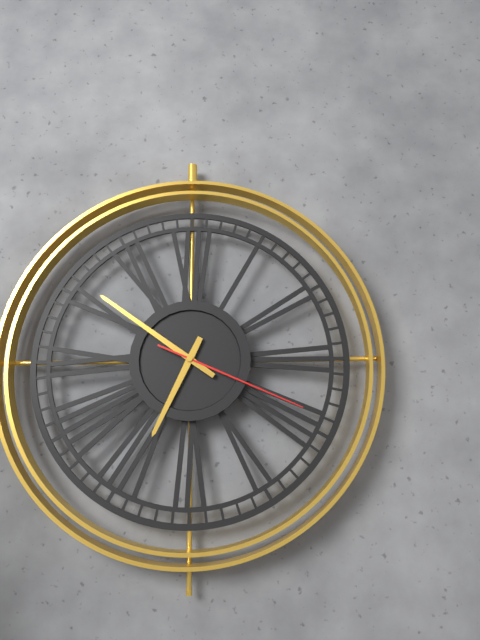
6h51m19s
